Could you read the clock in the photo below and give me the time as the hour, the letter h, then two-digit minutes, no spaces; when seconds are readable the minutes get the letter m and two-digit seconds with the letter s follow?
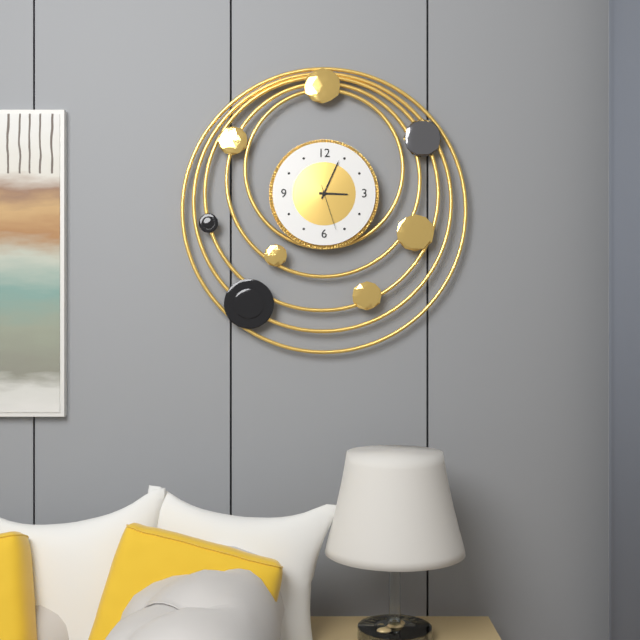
3h04
